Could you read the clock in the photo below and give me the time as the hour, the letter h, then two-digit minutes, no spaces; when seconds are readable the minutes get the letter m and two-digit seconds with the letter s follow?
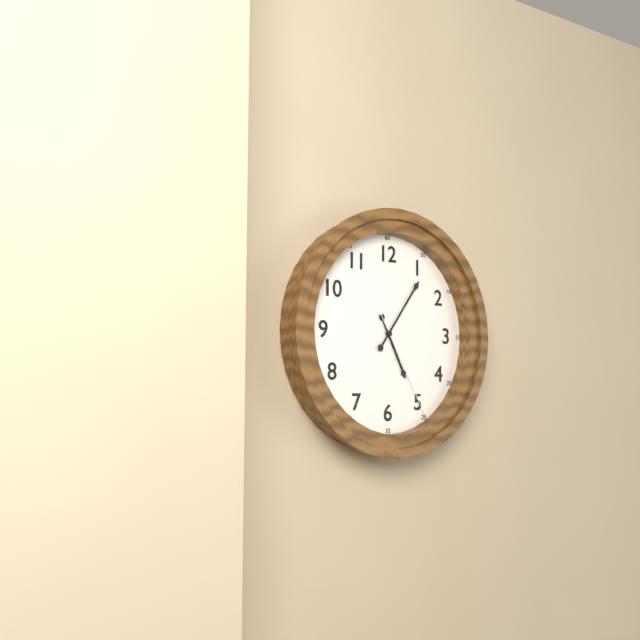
5h06m25s
